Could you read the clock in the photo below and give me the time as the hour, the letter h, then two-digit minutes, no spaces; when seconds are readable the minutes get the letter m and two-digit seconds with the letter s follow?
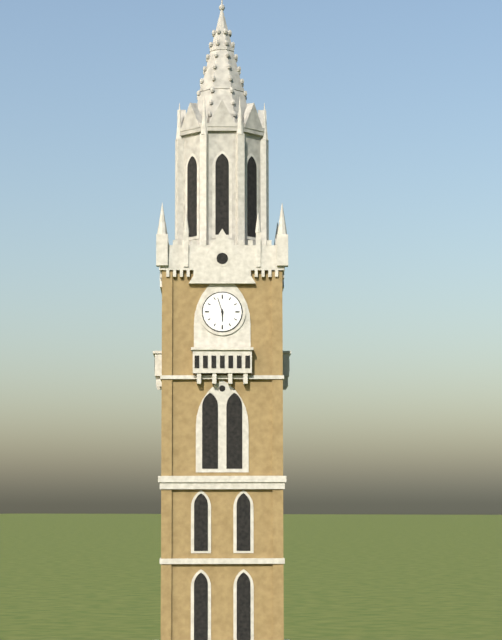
5h57
